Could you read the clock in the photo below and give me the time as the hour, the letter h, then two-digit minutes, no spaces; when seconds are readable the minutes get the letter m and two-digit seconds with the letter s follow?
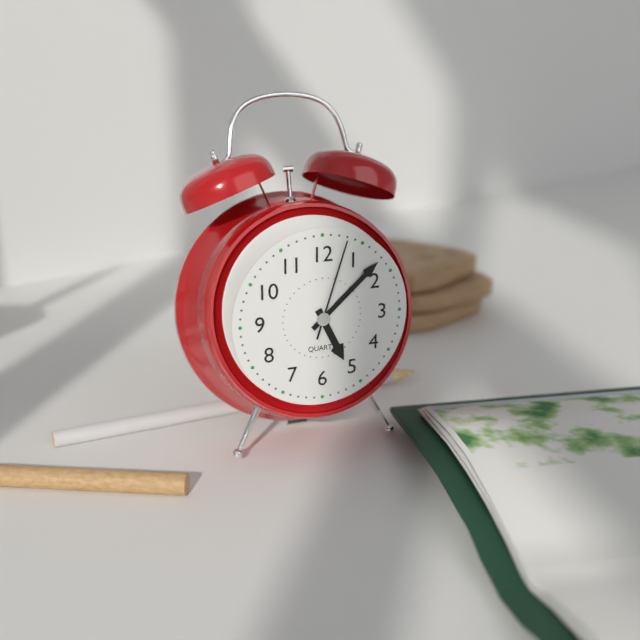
5h08m03s
